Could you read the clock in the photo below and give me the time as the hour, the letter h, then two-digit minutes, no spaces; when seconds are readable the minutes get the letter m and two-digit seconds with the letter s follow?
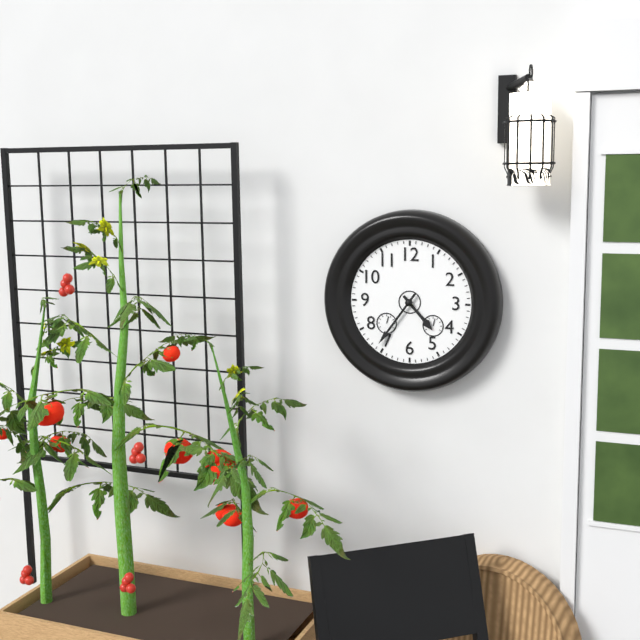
4h36
